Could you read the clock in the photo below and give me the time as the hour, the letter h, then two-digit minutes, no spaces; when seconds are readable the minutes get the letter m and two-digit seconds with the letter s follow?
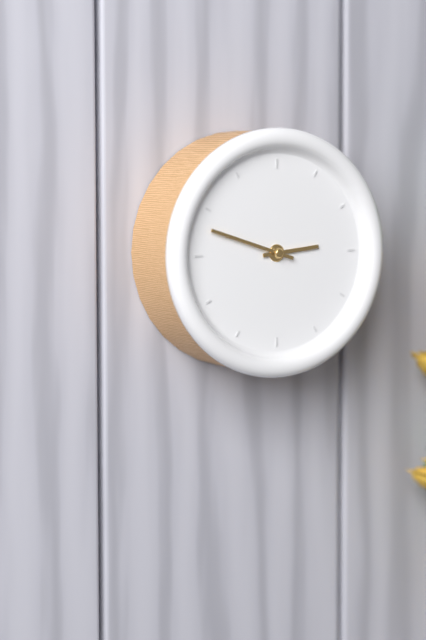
2h48
